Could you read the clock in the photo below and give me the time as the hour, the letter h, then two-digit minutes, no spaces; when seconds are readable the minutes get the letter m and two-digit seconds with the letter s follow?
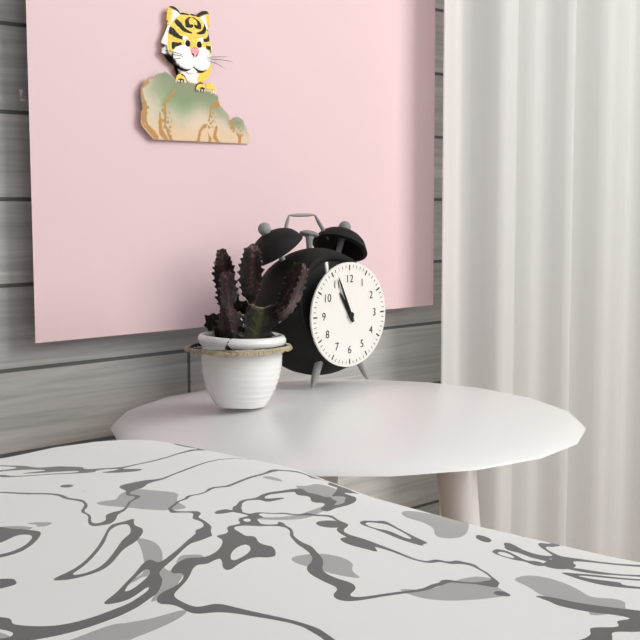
10h56
